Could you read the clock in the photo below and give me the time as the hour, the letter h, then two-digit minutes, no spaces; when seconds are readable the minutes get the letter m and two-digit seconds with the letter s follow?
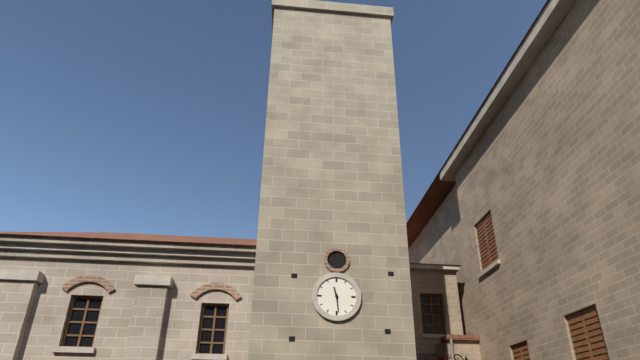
11h29
